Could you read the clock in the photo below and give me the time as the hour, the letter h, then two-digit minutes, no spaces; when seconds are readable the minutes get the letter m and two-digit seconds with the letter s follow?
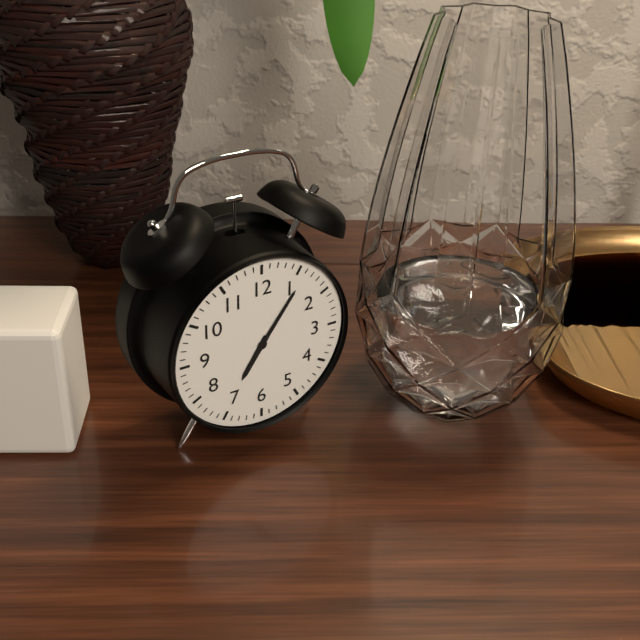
7h06
